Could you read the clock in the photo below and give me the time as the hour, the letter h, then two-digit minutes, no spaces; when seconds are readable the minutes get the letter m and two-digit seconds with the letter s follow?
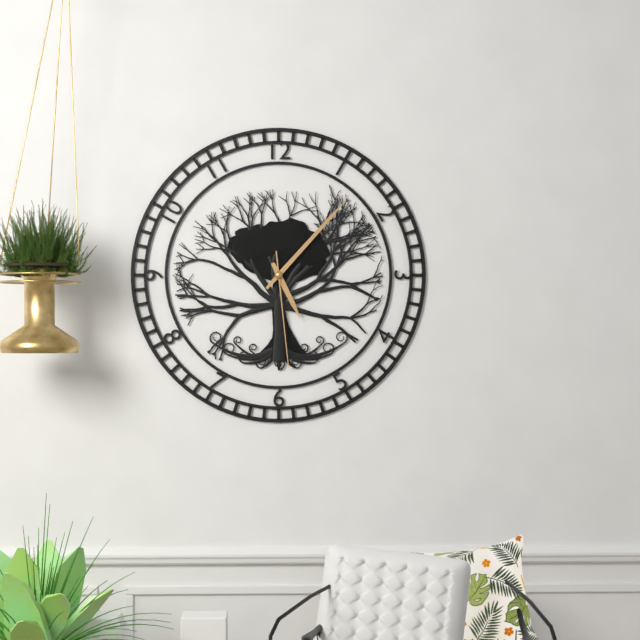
5h07m29s
